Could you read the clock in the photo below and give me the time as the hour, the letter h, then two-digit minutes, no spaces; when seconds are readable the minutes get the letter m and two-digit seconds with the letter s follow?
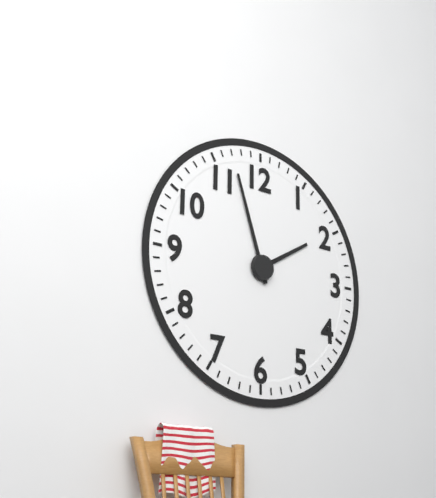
1h57
